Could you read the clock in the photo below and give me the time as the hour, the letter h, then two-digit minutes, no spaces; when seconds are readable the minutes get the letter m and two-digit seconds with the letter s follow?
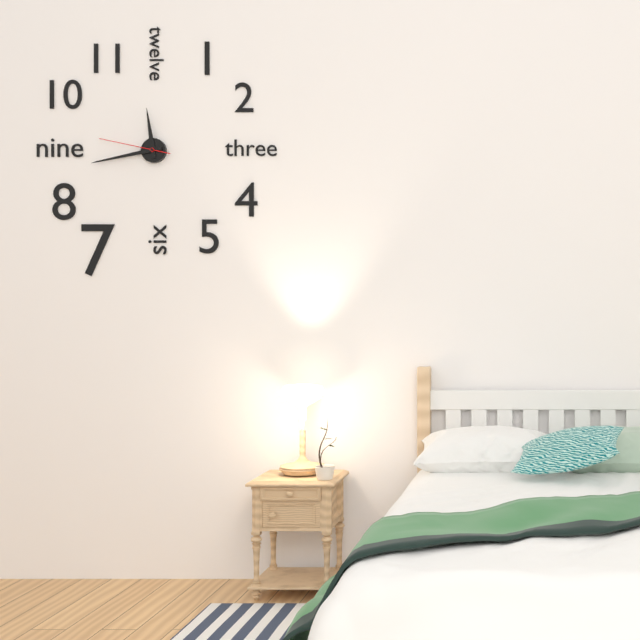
11h43m47s
